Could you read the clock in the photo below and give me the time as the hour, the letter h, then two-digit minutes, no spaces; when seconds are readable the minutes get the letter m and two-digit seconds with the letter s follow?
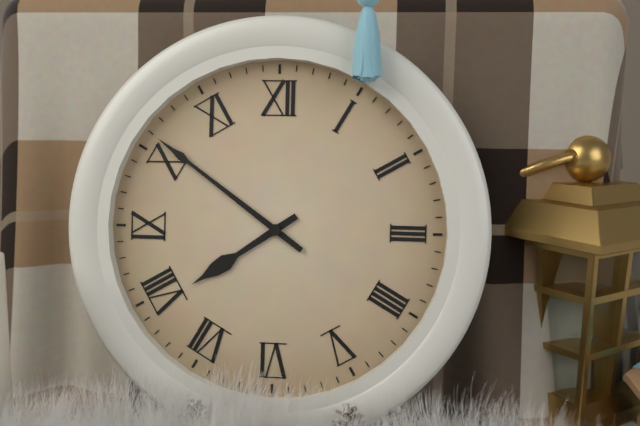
7h51
